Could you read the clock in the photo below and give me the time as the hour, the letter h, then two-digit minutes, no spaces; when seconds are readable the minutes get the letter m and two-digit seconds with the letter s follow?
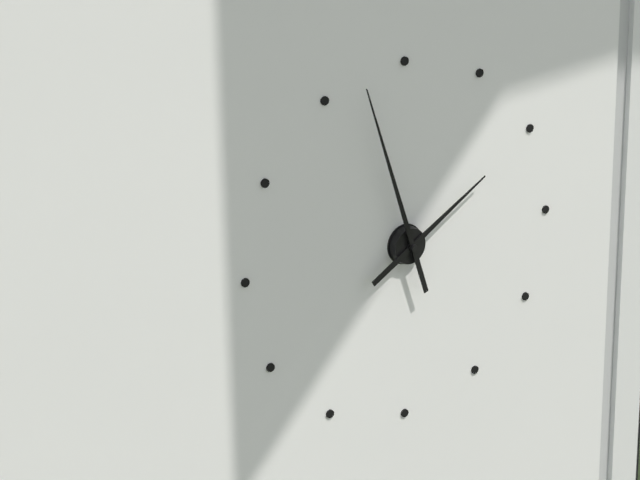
1h57
